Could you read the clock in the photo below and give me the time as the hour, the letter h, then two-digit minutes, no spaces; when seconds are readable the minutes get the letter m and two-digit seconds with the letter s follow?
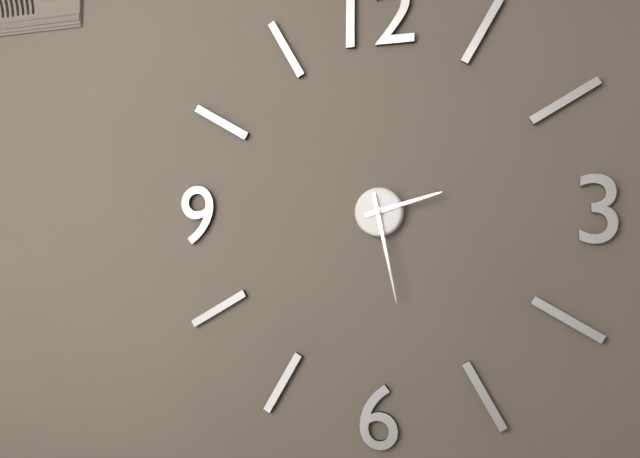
2h28
